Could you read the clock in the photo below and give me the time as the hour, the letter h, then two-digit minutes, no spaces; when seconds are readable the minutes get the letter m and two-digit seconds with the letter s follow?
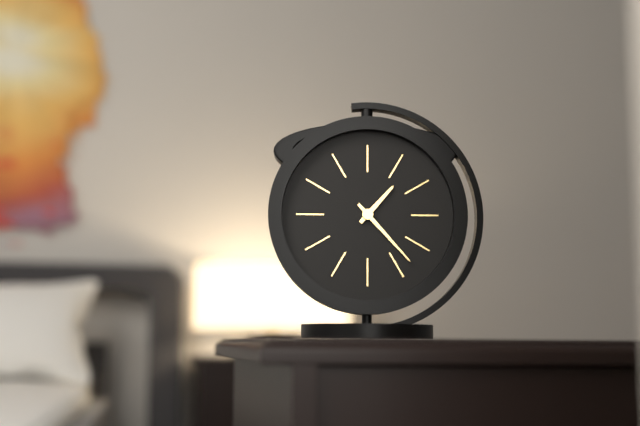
1h23
